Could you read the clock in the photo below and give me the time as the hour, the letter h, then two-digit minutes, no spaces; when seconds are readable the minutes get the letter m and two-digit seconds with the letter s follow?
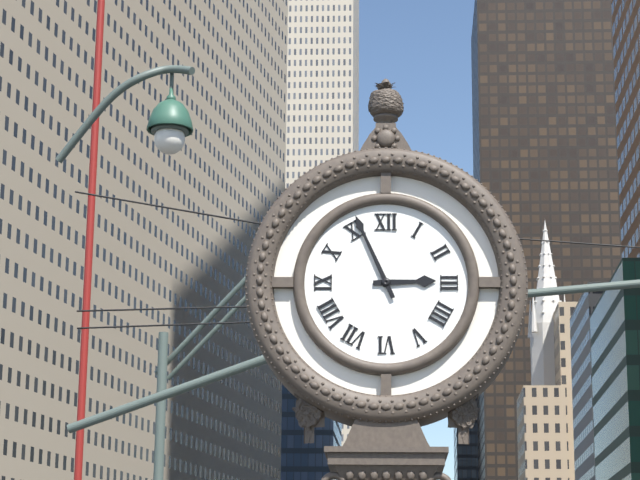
2h56
